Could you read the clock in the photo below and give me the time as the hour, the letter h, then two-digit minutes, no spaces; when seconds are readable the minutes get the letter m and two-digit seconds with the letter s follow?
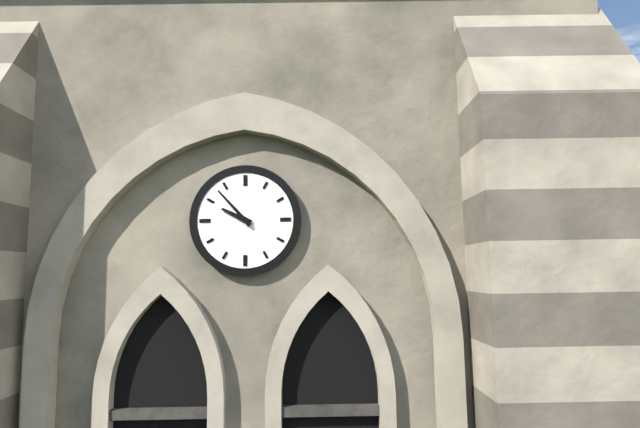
9h53
